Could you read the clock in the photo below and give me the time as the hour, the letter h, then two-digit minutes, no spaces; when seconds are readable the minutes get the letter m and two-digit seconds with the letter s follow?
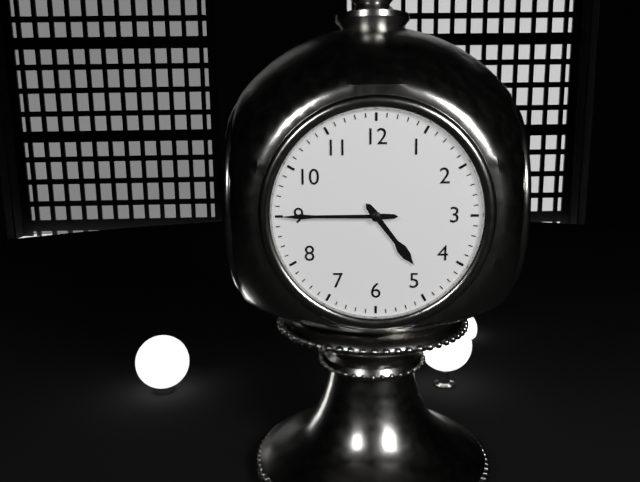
4h45
